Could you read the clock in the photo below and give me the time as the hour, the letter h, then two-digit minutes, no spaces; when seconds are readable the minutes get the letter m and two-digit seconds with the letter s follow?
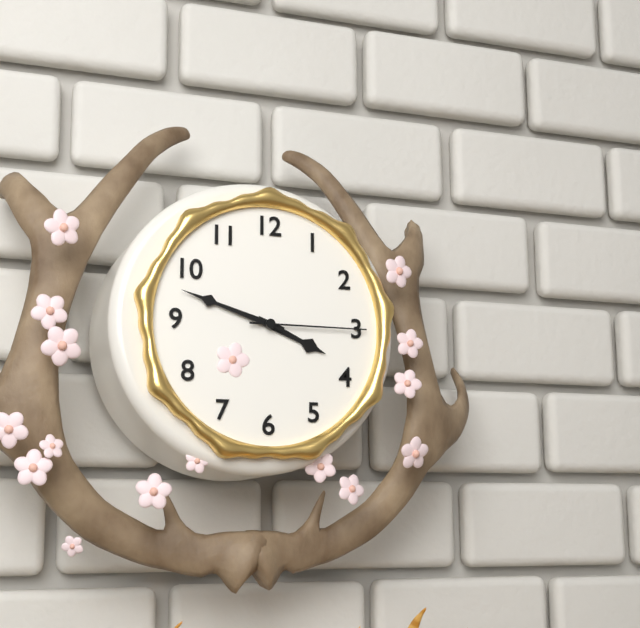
3h48m15s
